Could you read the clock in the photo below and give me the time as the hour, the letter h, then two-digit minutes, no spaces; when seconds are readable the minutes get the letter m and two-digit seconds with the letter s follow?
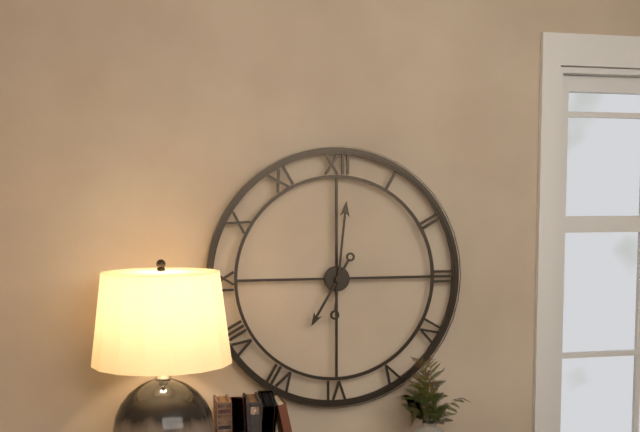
7h01
